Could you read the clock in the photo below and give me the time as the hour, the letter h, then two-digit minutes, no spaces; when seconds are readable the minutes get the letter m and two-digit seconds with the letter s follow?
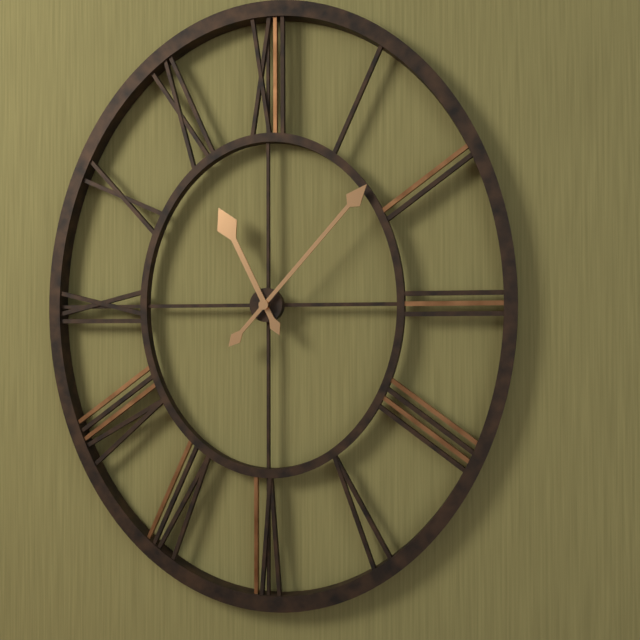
11h07
